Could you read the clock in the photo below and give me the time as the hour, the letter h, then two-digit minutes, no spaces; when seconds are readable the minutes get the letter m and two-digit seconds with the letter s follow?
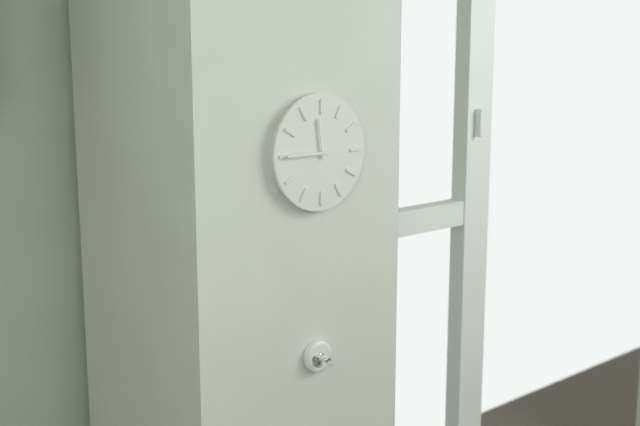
11h45
